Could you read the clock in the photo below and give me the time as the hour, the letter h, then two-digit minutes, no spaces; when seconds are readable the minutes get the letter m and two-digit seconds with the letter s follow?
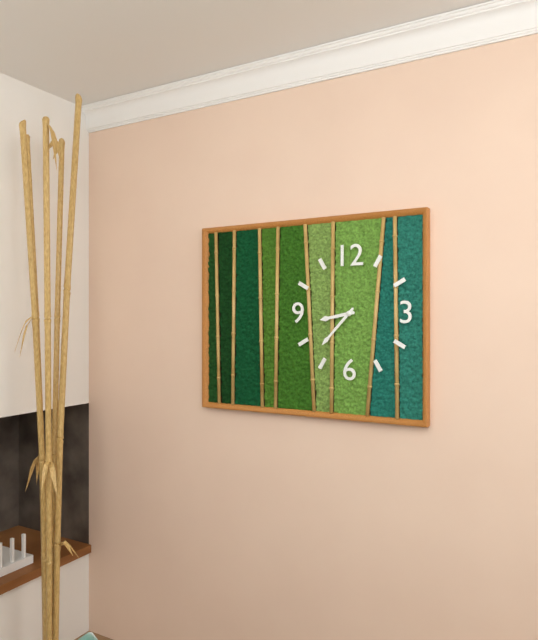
8h37
